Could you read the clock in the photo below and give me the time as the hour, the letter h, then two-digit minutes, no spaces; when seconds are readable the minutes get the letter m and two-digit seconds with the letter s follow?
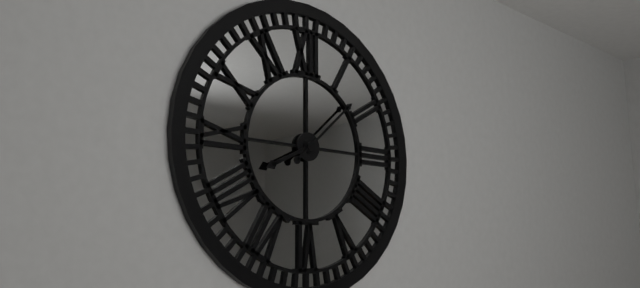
8h08
